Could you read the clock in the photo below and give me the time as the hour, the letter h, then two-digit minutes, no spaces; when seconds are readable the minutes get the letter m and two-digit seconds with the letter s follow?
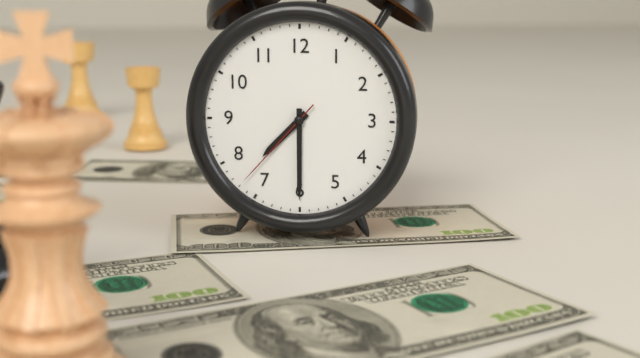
7h30m37s
